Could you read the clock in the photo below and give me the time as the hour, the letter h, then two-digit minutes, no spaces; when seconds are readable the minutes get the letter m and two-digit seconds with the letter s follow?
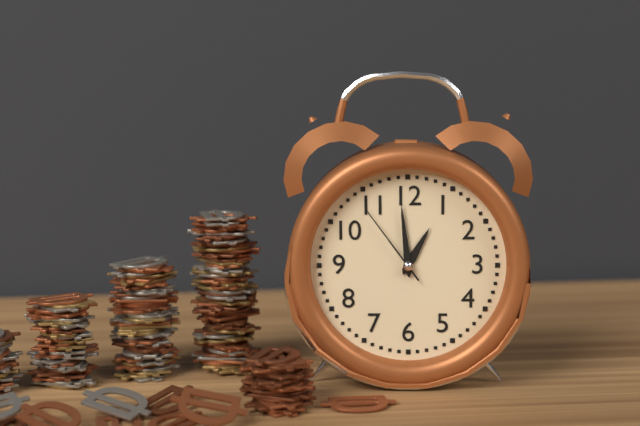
12h59m54s
